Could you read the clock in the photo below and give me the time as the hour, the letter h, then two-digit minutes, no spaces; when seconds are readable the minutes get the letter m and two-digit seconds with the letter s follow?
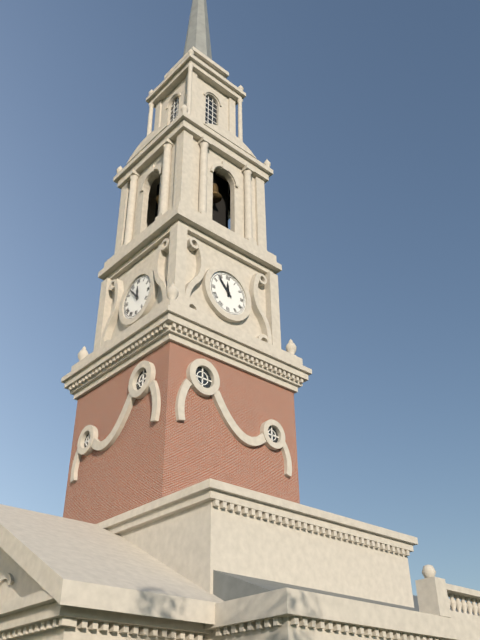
11h53
